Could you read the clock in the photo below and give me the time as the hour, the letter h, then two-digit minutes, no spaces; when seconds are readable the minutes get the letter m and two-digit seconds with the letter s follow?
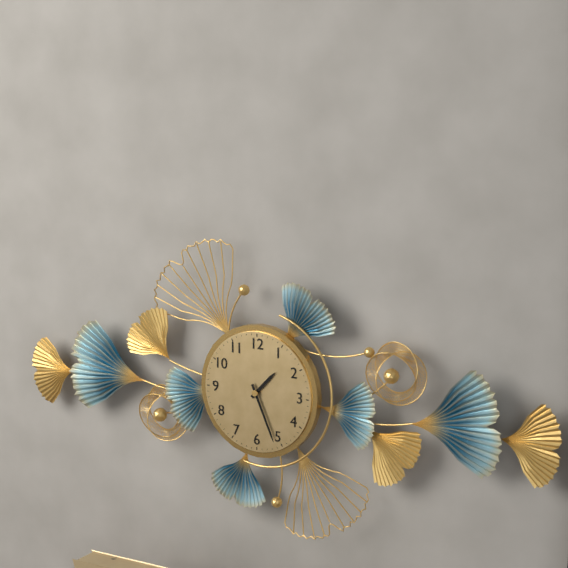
1h26
